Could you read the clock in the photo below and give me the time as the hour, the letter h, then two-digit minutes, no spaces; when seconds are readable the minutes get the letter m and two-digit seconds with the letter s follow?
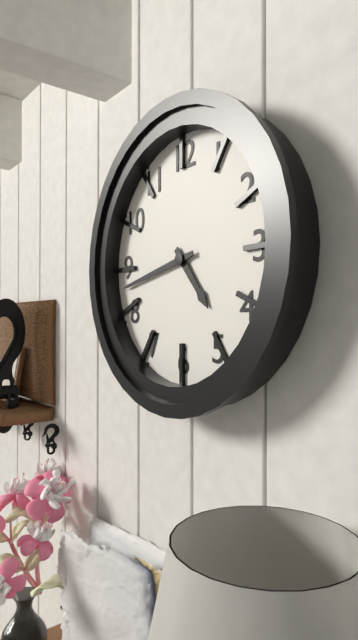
4h43
